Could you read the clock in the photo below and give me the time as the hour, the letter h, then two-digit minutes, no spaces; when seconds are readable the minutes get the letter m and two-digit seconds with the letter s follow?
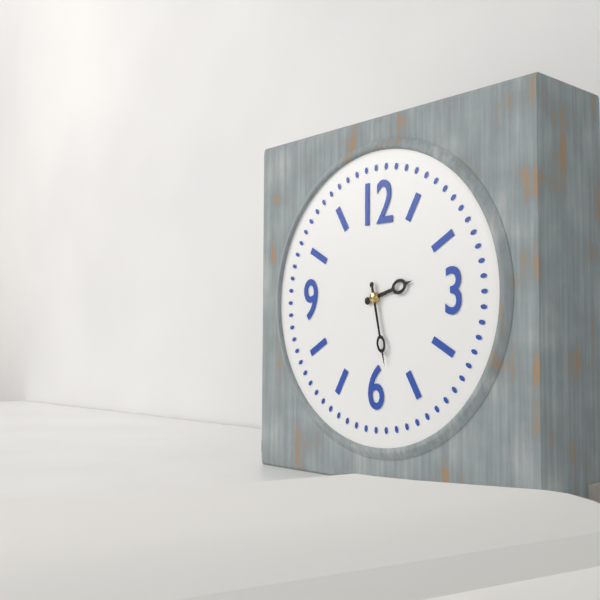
2h28
